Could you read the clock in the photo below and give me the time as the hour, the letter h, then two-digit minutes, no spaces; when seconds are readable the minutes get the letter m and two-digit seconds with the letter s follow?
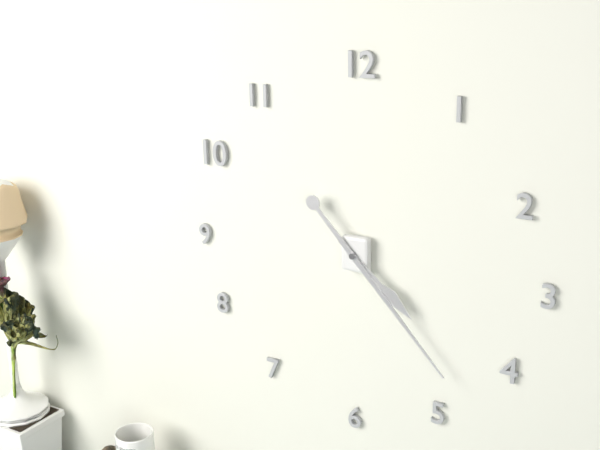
4h23
